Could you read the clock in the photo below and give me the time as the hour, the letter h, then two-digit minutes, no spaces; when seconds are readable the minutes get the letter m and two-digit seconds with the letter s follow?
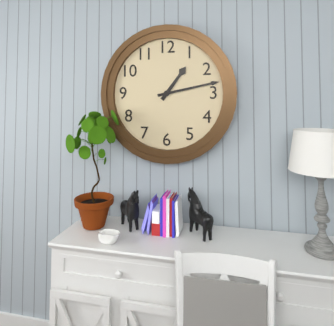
1h13
